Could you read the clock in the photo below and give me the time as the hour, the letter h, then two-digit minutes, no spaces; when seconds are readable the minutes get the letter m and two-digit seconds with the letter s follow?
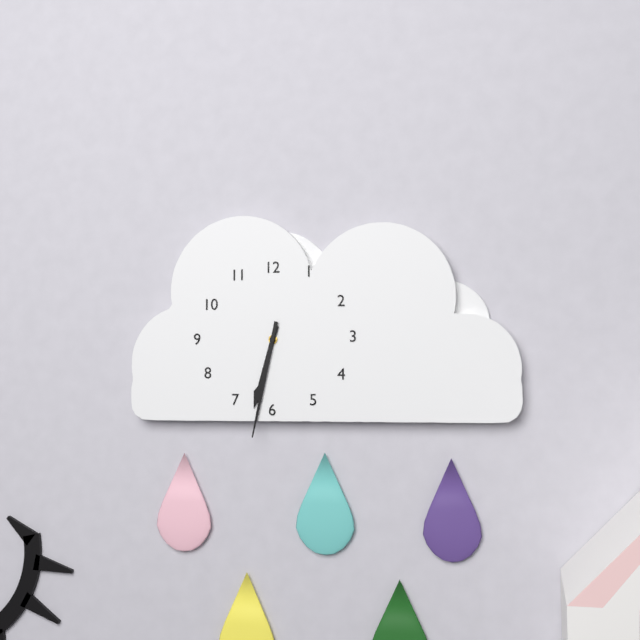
6h32
